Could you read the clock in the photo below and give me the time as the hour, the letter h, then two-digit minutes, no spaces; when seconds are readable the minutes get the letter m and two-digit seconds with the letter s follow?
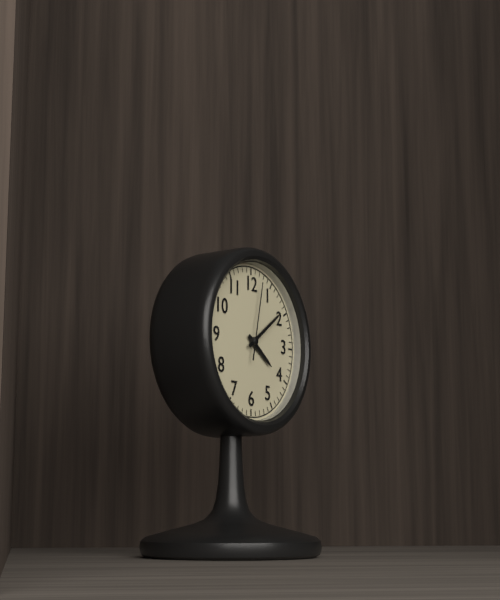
4h09m02s
